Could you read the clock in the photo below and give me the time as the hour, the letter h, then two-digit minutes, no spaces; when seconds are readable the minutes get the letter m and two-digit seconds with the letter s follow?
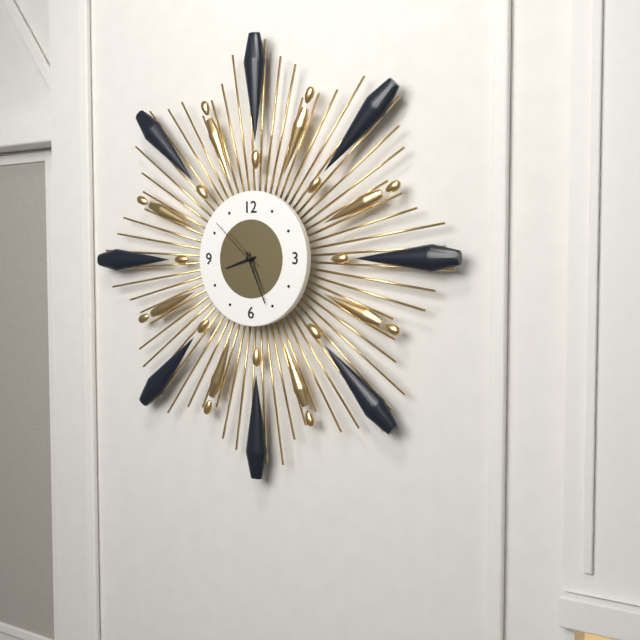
8h26m52s
